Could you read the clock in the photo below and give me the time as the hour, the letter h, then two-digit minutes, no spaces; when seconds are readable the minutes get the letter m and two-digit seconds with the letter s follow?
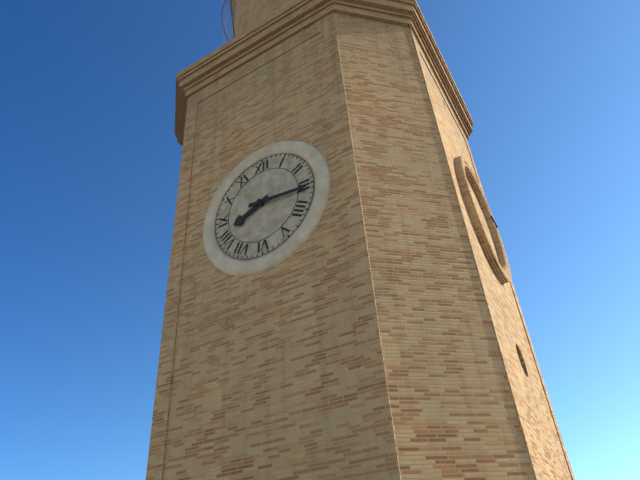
8h16
